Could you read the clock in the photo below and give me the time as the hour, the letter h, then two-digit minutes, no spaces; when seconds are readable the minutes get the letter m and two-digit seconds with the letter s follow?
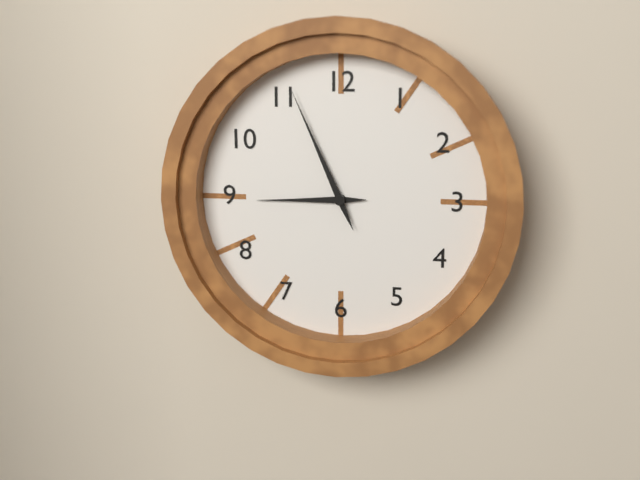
8h56
